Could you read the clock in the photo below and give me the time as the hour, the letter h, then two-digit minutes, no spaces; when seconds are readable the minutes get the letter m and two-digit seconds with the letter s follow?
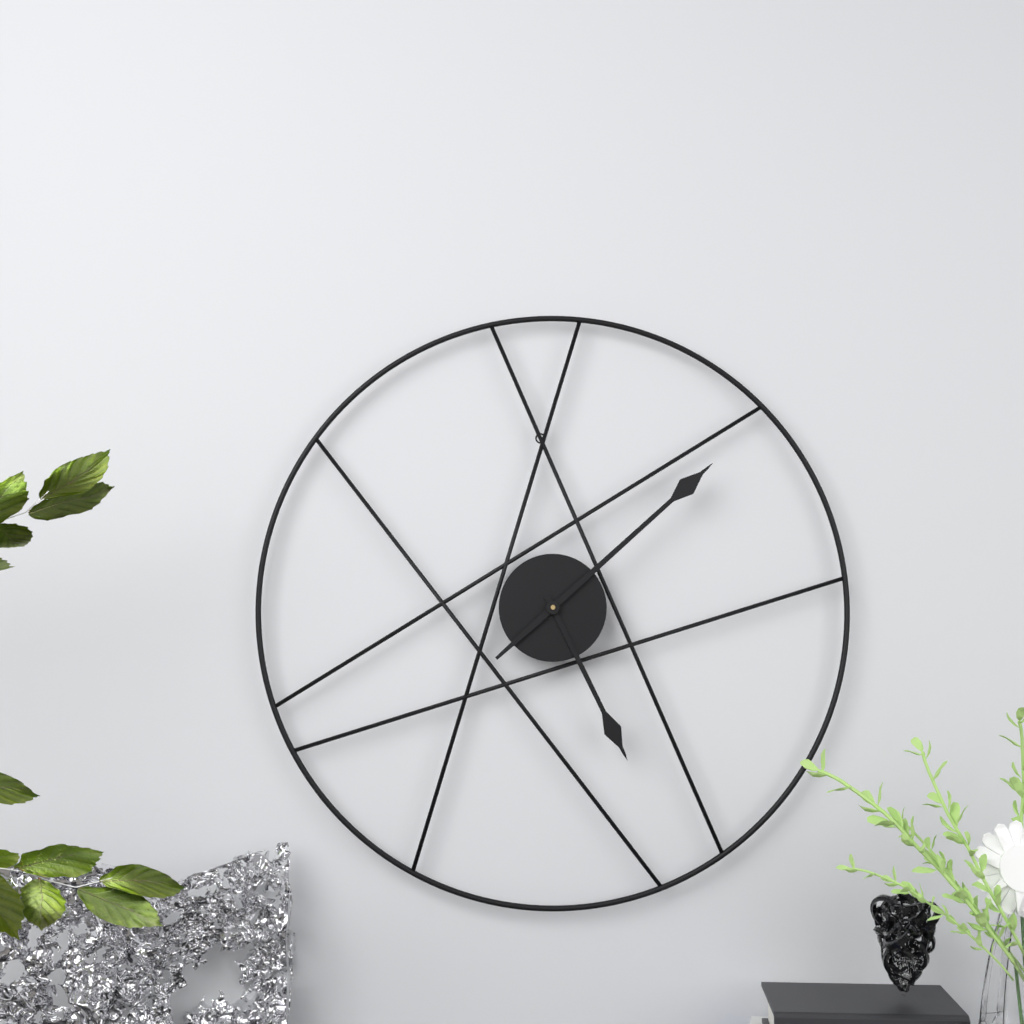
5h08
